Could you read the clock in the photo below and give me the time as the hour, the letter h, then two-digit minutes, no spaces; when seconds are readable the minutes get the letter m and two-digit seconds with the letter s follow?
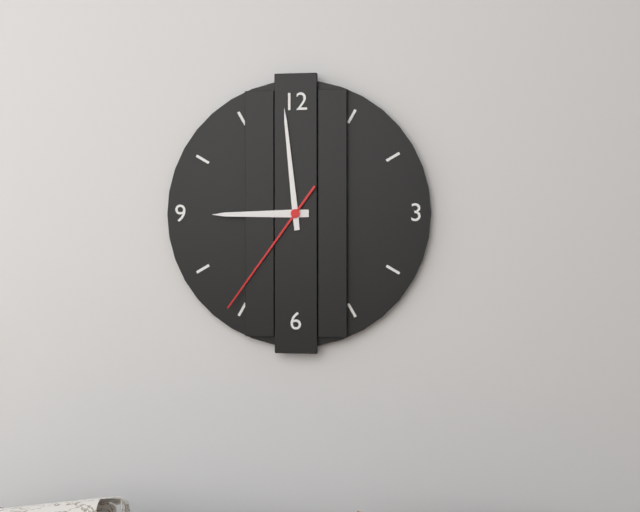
8h59m36s
